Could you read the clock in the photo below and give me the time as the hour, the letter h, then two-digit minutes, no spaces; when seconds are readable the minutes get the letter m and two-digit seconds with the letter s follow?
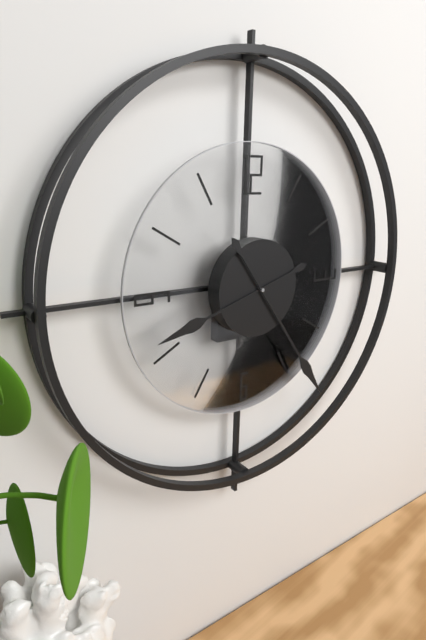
8h24
